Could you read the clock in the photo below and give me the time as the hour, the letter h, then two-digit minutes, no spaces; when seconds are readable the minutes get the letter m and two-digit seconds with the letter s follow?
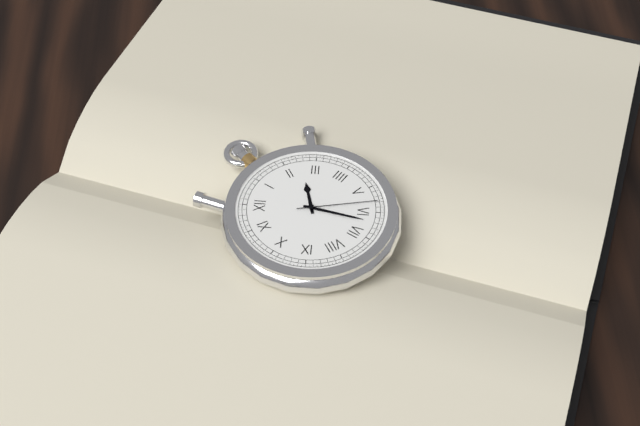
2h32m28s
